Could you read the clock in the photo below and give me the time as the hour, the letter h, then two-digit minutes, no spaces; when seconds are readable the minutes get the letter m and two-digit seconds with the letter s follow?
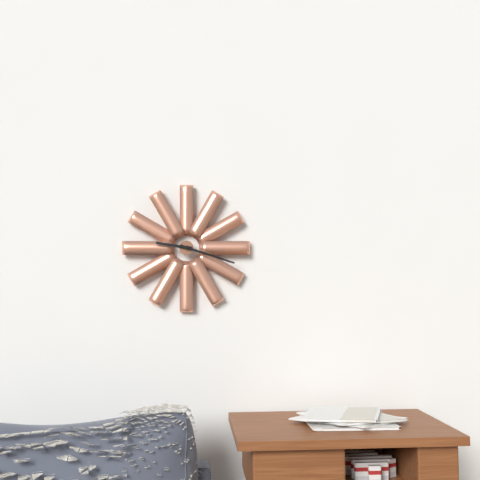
9h18
